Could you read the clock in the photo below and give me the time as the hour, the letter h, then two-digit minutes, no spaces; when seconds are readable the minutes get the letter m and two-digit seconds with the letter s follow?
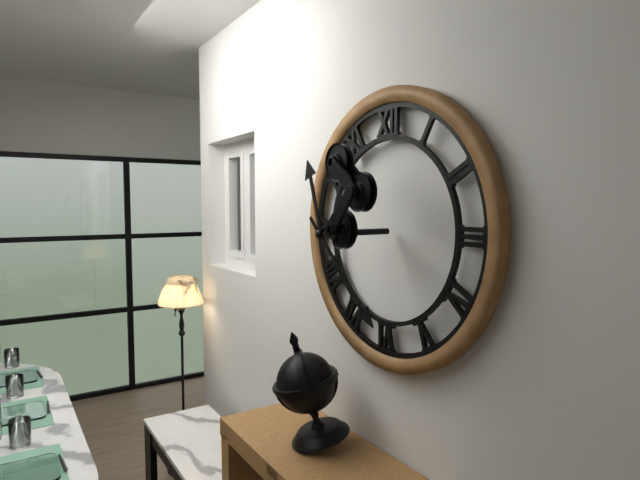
11h22
